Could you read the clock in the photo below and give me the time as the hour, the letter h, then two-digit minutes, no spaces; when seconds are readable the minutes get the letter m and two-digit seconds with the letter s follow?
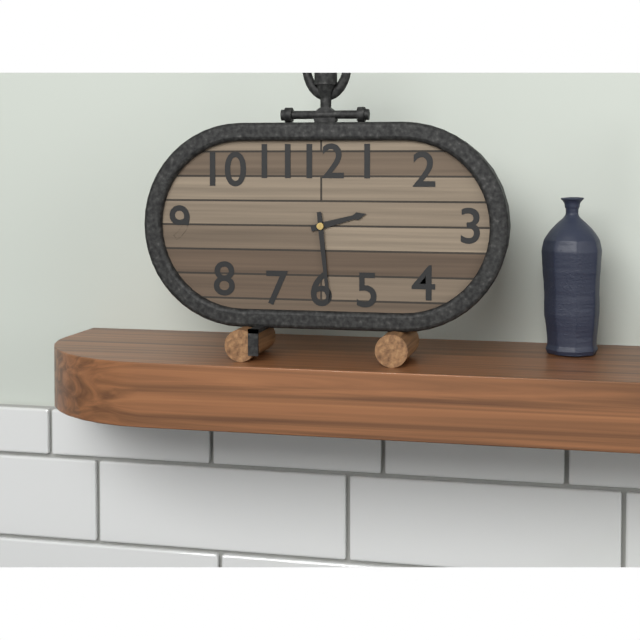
2h29
